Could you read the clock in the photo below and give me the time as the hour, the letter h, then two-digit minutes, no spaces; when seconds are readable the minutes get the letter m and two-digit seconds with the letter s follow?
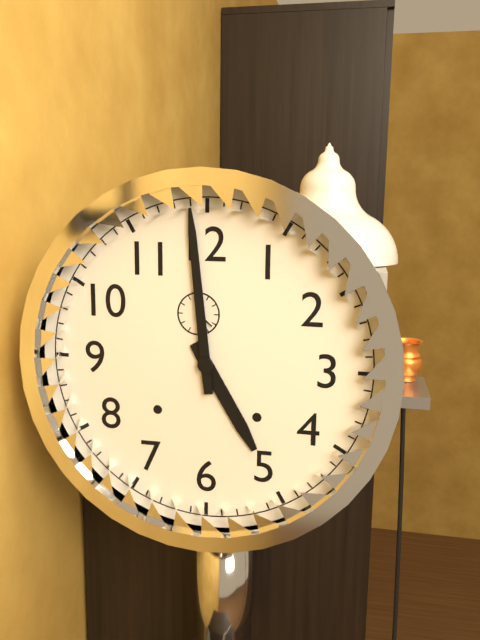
4h59
